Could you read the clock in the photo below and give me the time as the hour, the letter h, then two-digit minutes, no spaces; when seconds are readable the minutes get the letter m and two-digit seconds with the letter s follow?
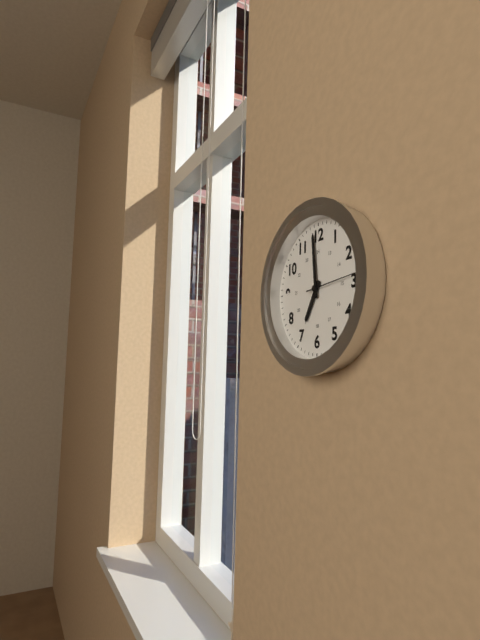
6h59m14s
